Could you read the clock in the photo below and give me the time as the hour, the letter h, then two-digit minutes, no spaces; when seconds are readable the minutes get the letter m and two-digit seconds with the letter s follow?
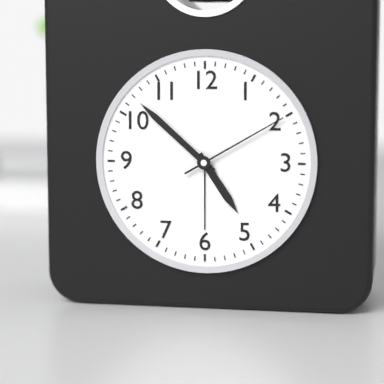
4h52m10s
